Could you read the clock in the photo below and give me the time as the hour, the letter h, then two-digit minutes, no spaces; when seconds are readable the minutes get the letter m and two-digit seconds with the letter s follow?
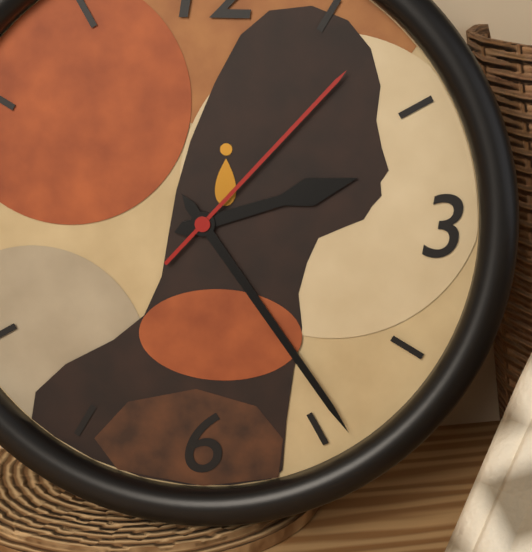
2h24m07s
